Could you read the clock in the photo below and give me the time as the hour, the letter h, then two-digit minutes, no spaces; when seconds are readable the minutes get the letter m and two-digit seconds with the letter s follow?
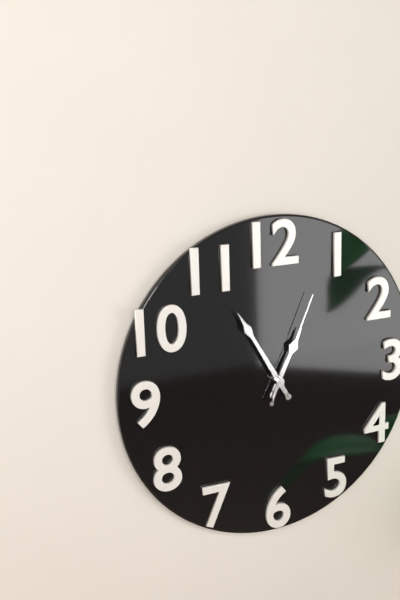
12h55m04s
